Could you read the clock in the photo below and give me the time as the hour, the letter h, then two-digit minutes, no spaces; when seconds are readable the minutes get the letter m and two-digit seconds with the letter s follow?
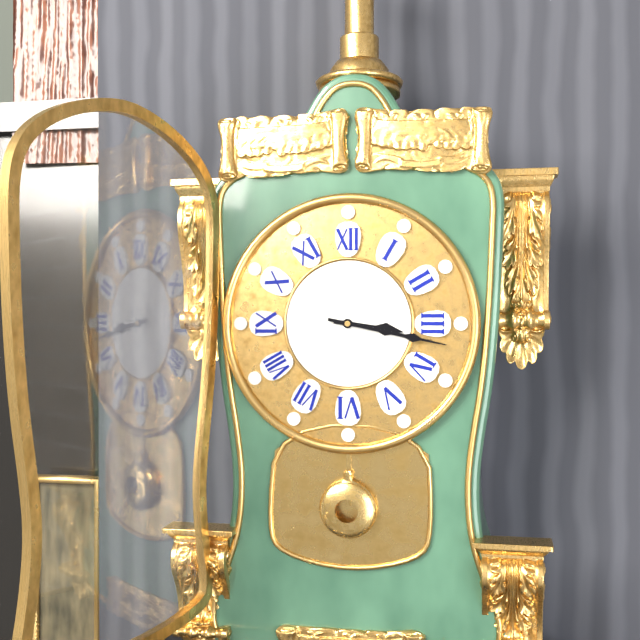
3h17
